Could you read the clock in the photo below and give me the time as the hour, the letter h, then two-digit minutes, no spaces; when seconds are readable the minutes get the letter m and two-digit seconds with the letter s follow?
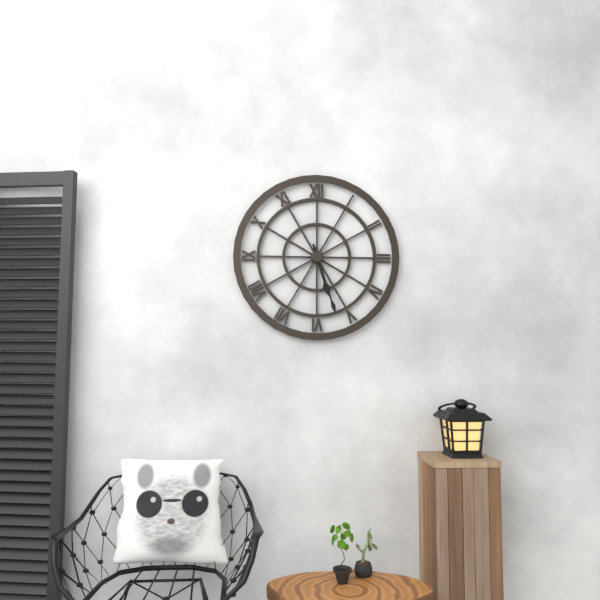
5h27
